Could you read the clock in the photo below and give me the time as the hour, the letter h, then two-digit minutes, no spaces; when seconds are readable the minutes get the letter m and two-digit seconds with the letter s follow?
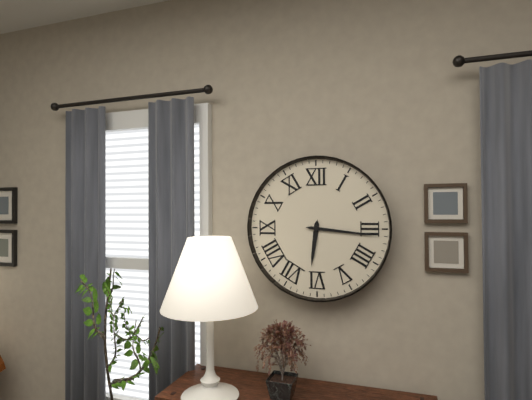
6h16
